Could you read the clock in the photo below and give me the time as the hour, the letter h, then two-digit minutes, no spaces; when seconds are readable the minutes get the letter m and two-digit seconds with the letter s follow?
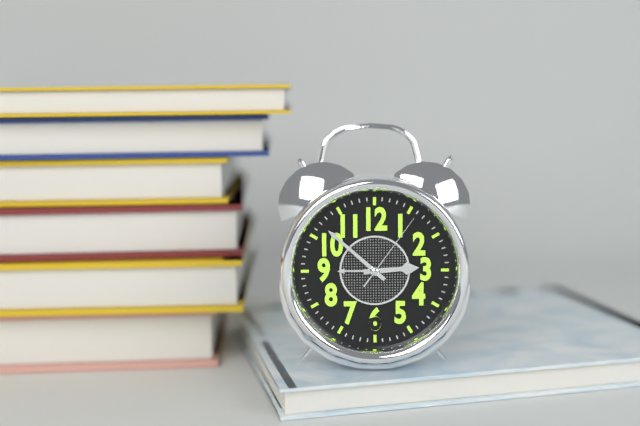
2h52m06s
